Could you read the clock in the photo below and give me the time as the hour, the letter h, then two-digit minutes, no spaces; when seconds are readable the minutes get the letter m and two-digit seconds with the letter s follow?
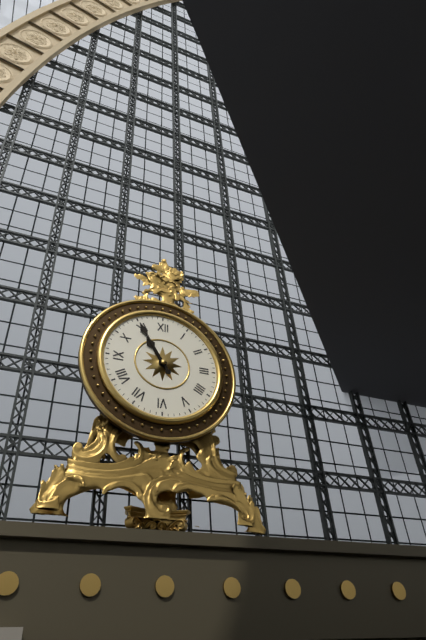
10h55
